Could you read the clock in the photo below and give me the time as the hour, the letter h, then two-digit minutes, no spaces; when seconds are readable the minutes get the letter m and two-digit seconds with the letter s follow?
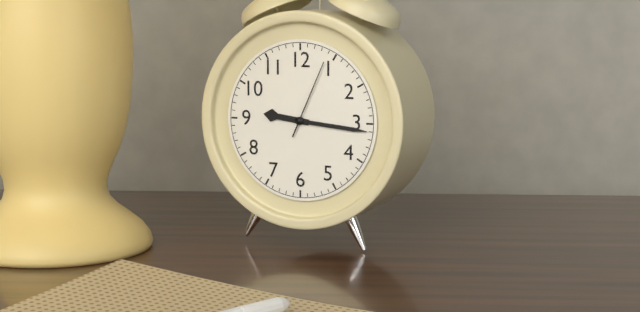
9h16m04s
